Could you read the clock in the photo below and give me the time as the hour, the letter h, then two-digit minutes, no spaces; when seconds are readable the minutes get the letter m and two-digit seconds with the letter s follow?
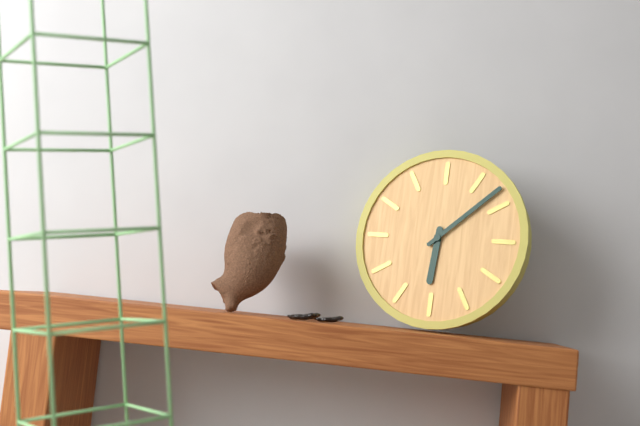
6h08
